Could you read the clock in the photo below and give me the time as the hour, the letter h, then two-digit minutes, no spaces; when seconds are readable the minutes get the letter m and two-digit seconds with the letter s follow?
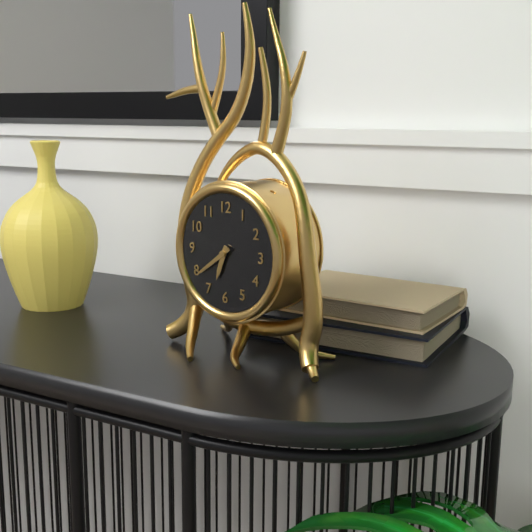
6h39
